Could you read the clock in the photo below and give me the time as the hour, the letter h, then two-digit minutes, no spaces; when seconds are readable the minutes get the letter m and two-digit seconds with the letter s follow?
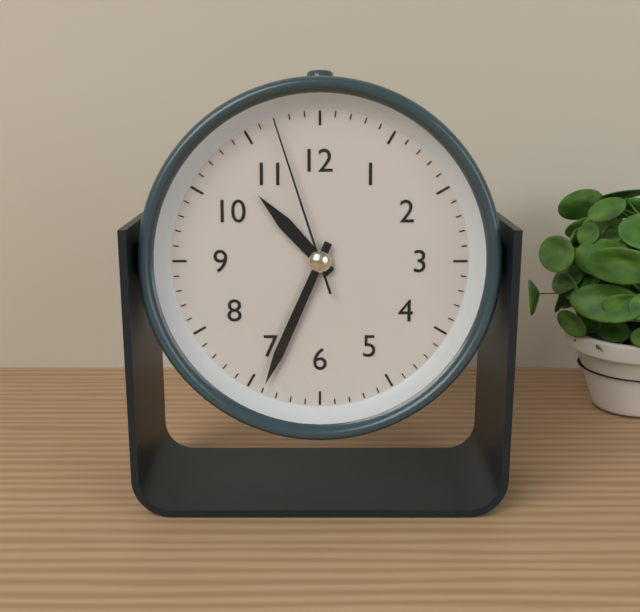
10h34m57s
